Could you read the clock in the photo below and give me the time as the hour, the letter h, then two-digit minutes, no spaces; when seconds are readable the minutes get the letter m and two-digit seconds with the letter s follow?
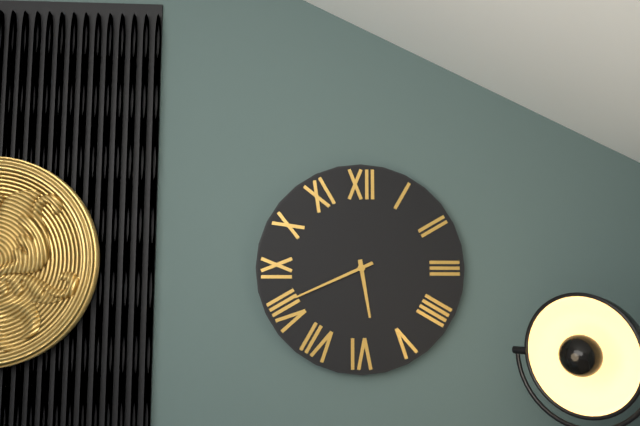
5h41
